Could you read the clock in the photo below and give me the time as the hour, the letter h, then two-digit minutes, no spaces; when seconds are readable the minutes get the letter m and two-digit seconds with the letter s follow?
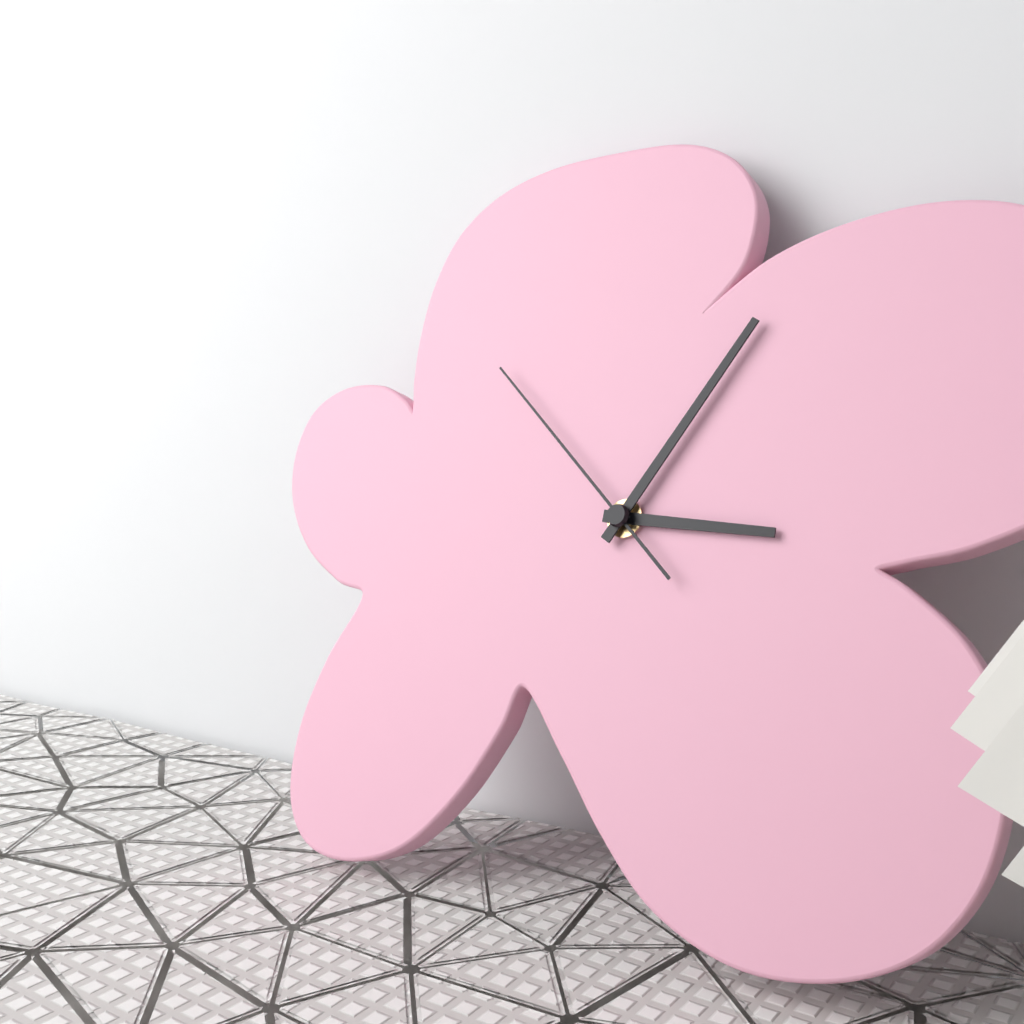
3h05m52s
